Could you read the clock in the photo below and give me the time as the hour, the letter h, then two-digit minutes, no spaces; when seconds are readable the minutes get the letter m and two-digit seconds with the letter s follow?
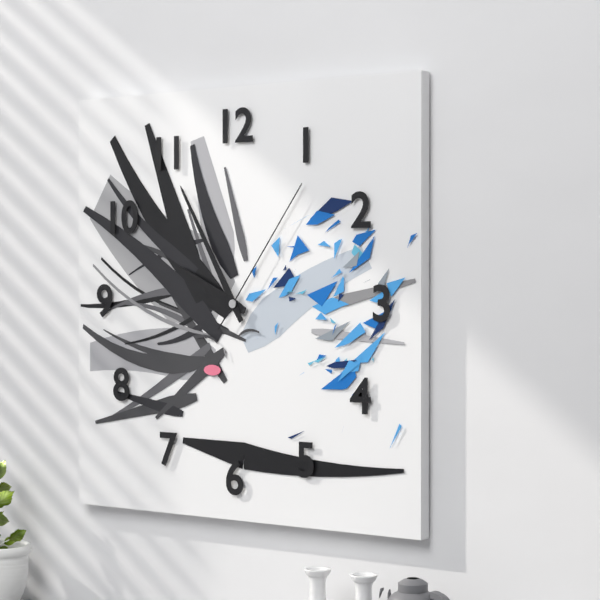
9h55m06s
